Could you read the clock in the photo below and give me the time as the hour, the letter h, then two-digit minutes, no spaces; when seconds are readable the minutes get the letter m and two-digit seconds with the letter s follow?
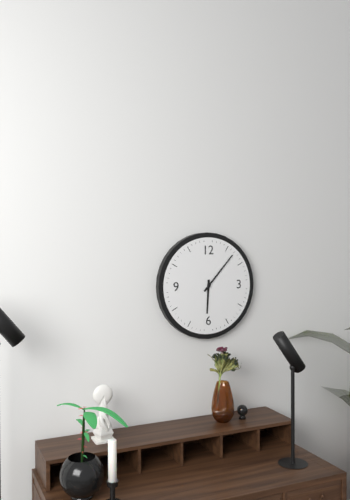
6h07
